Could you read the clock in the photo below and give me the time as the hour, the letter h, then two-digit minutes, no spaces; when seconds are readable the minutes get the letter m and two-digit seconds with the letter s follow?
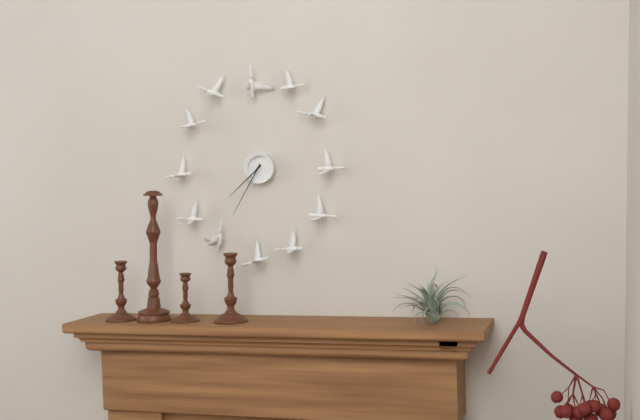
7h35
